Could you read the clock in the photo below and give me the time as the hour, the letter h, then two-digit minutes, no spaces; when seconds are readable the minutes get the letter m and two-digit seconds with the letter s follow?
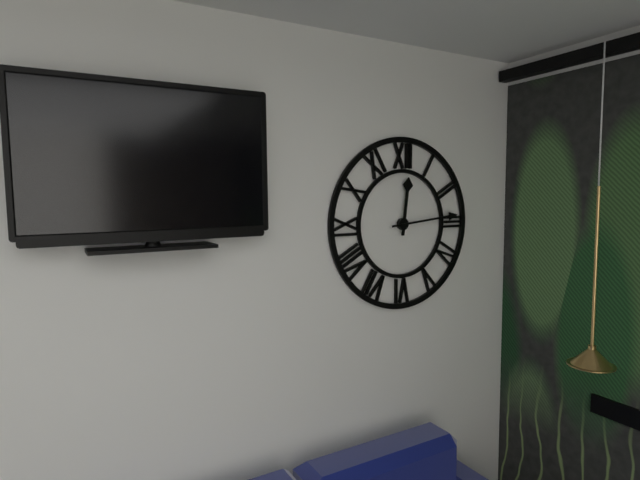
12h14
